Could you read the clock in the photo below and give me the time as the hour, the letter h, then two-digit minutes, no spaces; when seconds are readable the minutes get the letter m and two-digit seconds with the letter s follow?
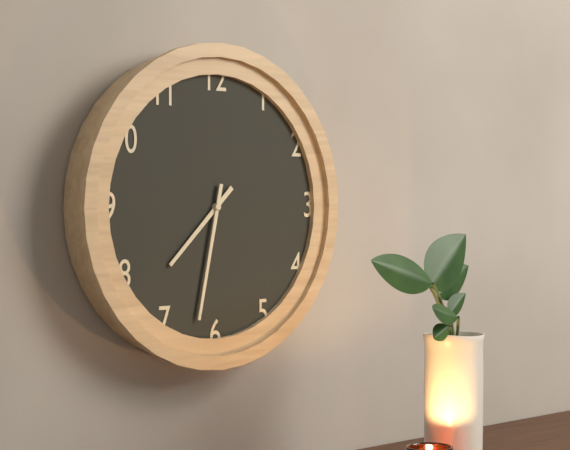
7h32
